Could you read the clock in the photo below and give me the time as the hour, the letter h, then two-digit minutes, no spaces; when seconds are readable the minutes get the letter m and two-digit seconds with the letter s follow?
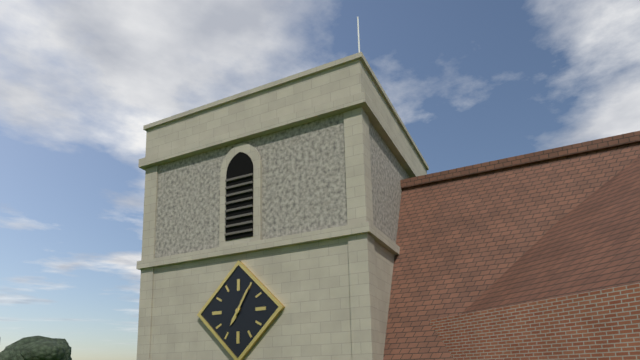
7h05
